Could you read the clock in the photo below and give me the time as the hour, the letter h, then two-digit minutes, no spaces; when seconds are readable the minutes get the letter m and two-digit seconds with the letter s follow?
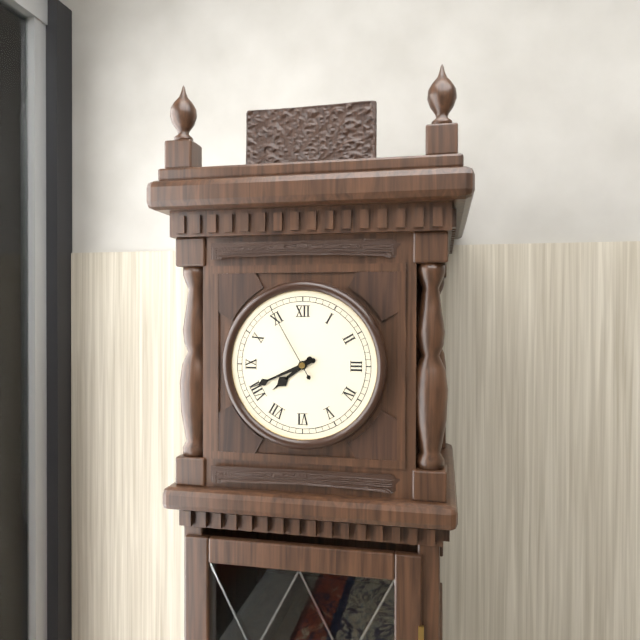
7h41m55s
